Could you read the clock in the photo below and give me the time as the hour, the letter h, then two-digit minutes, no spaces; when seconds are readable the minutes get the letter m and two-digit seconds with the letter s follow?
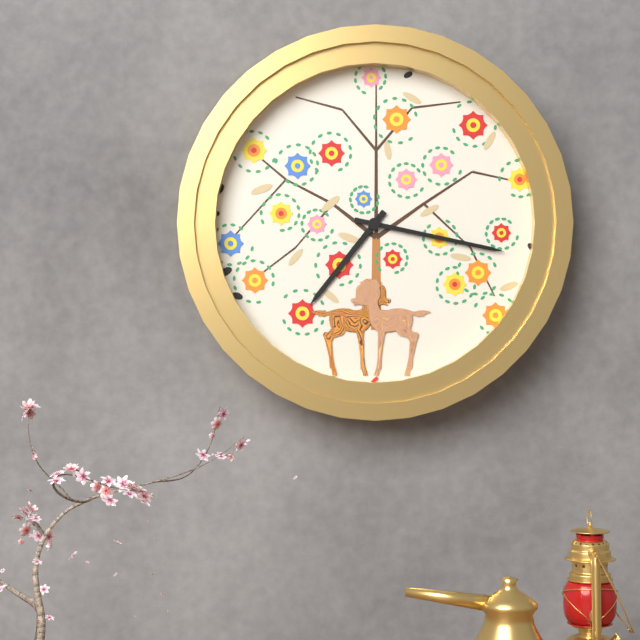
7h17
